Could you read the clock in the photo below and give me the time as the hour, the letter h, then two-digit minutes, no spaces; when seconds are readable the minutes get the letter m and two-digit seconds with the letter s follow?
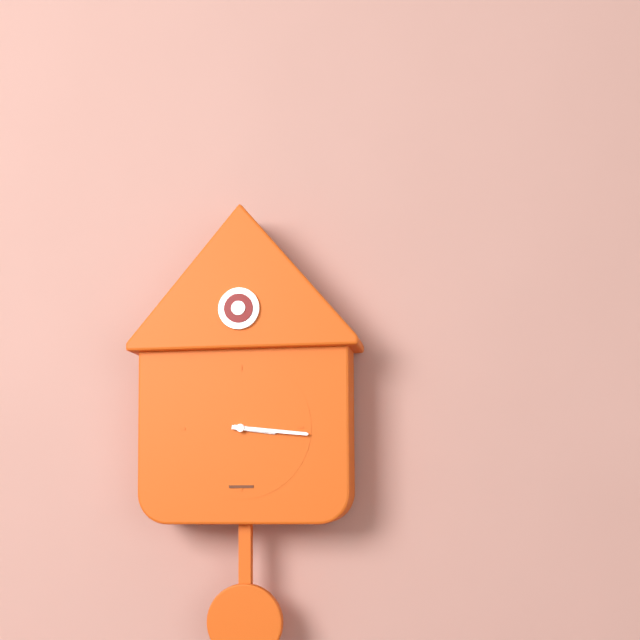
3h16
